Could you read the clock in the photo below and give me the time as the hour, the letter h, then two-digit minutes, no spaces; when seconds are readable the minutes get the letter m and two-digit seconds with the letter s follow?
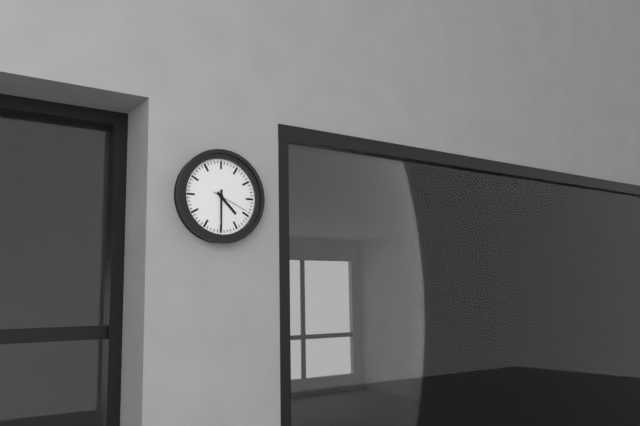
4h30
